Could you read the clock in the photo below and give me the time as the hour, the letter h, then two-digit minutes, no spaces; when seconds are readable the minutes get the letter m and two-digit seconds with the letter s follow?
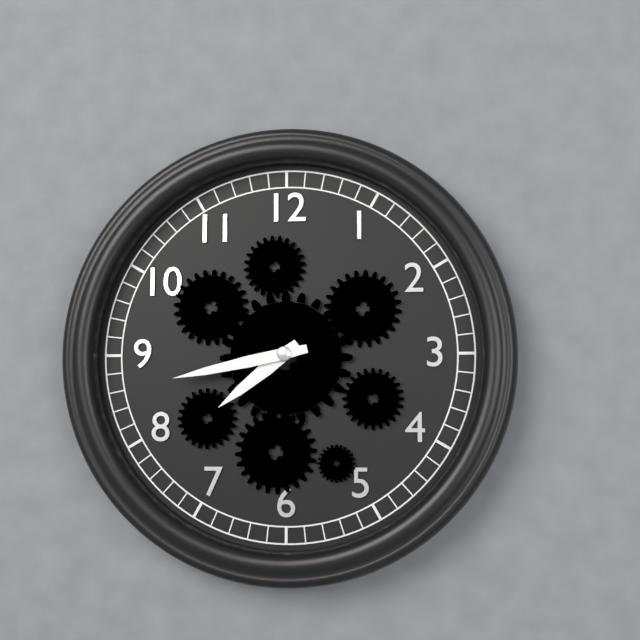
7h43
